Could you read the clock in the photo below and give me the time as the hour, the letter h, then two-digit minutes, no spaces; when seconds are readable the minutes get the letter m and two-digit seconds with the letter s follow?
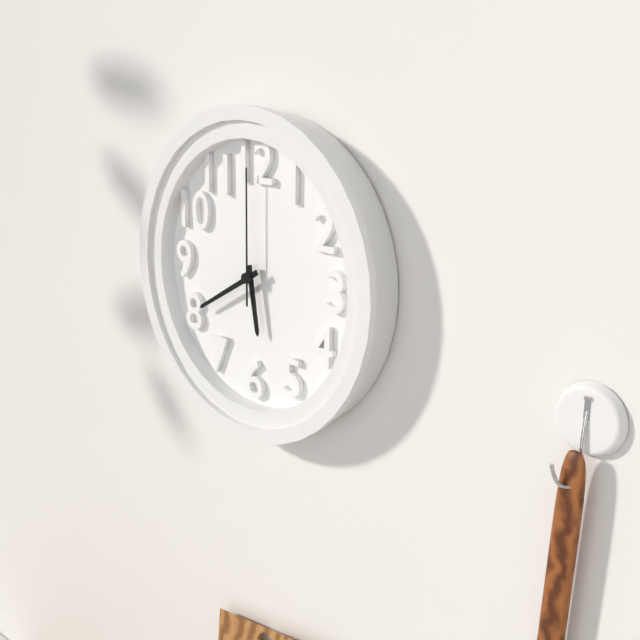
5h40m00s
